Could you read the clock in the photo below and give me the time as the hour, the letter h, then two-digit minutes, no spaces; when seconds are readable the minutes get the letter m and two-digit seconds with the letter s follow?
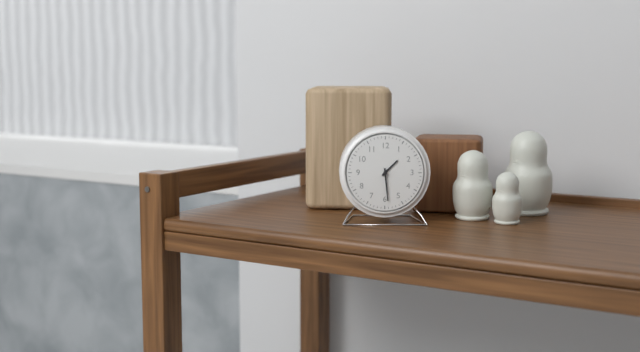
1h29
